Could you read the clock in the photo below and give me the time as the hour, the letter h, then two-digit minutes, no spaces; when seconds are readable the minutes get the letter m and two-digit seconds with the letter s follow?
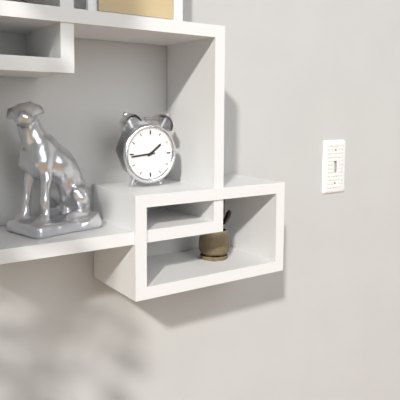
1h44
